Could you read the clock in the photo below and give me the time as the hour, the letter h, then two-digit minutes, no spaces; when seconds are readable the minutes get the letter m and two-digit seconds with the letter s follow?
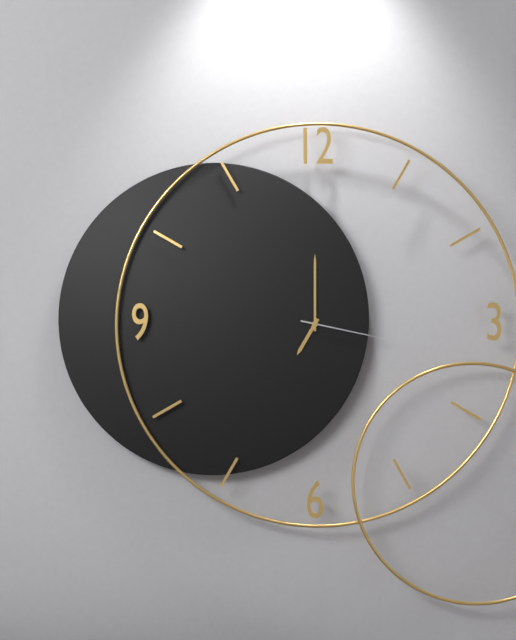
7h00m17s
